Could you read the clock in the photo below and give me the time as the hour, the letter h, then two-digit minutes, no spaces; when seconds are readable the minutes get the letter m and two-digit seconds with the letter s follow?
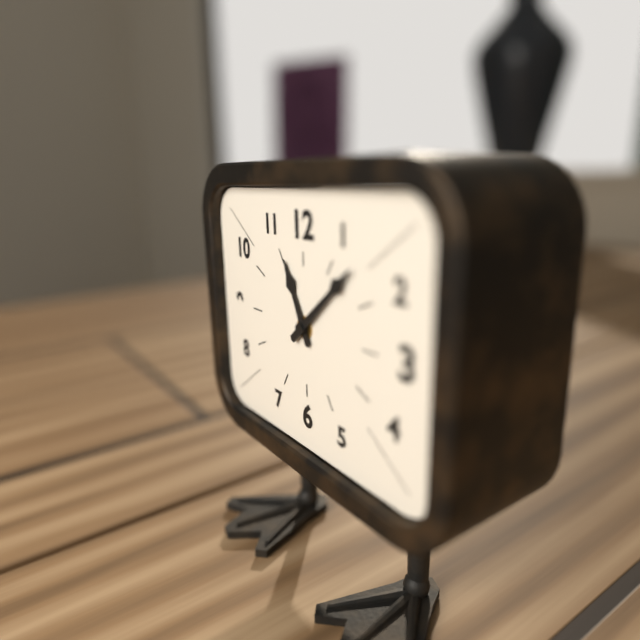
11h08
